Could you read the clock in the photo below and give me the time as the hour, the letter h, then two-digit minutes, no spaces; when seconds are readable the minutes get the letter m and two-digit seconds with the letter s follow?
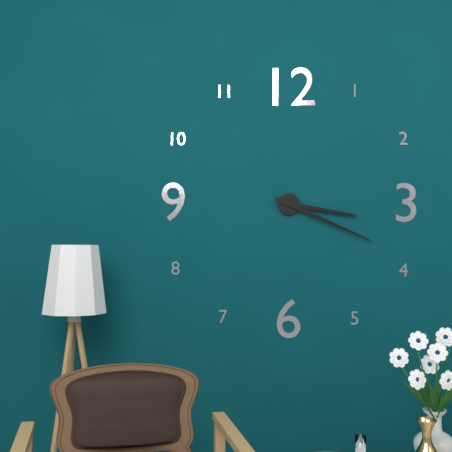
3h19
